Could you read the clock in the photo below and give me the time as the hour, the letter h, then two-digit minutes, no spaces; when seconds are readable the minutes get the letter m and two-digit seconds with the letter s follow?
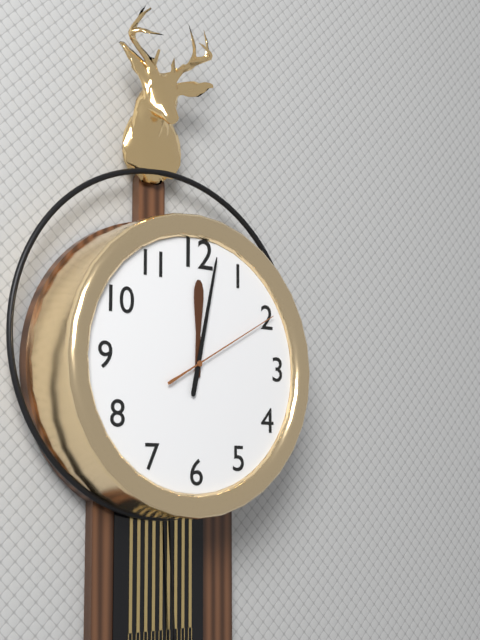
12h02m10s
